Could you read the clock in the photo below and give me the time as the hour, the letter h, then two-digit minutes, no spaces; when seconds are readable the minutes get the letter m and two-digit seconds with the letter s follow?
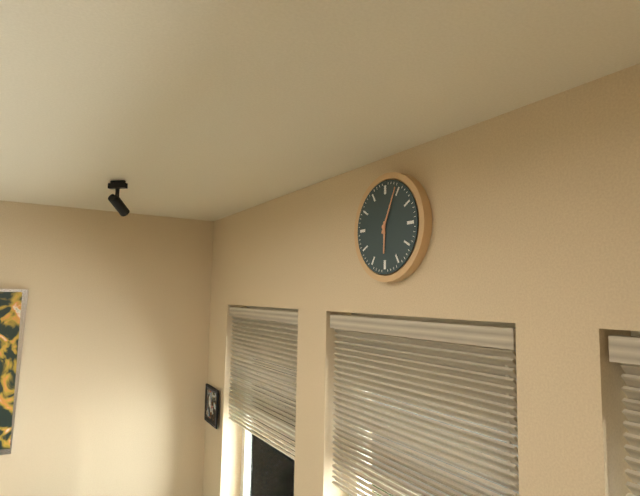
6h04
